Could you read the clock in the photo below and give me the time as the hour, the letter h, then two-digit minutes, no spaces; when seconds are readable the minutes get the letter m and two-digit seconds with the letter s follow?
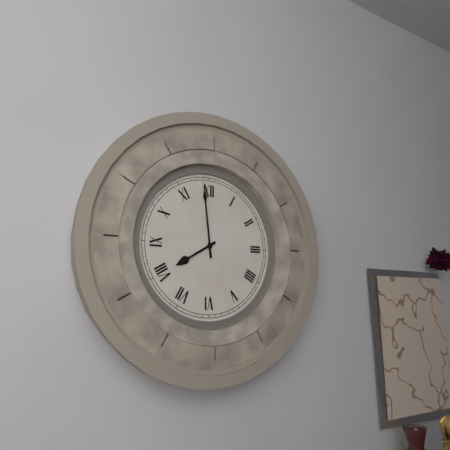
7h59
